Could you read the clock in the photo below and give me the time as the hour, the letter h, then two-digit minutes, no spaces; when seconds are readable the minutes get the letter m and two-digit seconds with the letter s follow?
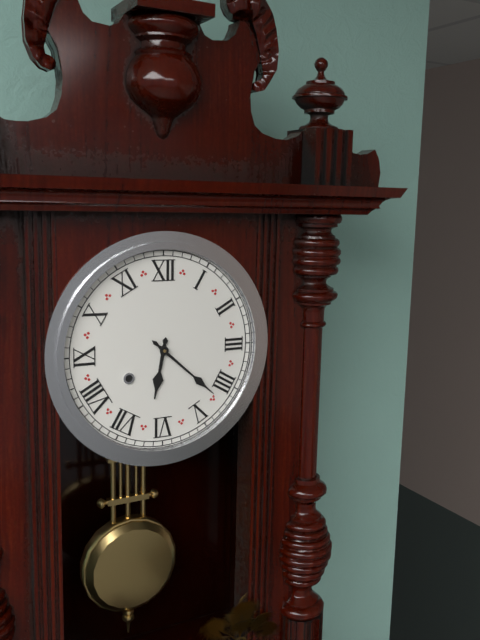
6h22
